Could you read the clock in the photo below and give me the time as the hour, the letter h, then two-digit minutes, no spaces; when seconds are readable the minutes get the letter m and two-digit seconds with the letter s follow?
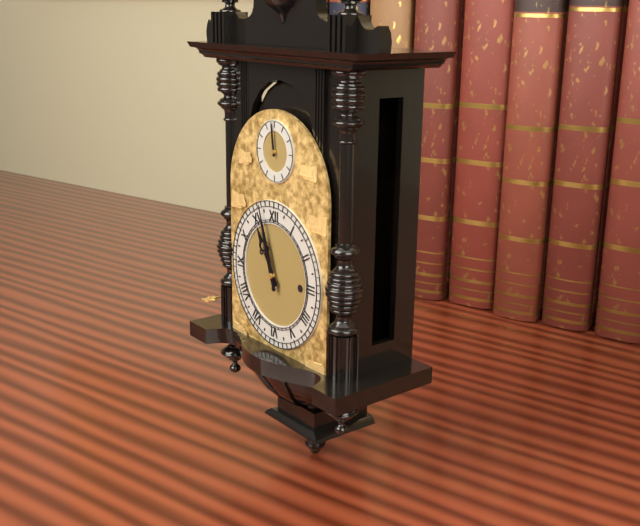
10h57
